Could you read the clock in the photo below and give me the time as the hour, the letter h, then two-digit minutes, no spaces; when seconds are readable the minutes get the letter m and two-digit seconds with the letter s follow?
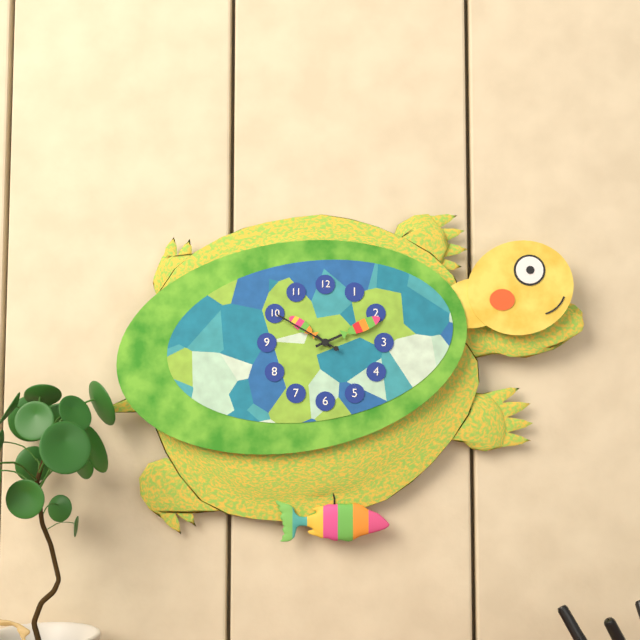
10h11m50s
